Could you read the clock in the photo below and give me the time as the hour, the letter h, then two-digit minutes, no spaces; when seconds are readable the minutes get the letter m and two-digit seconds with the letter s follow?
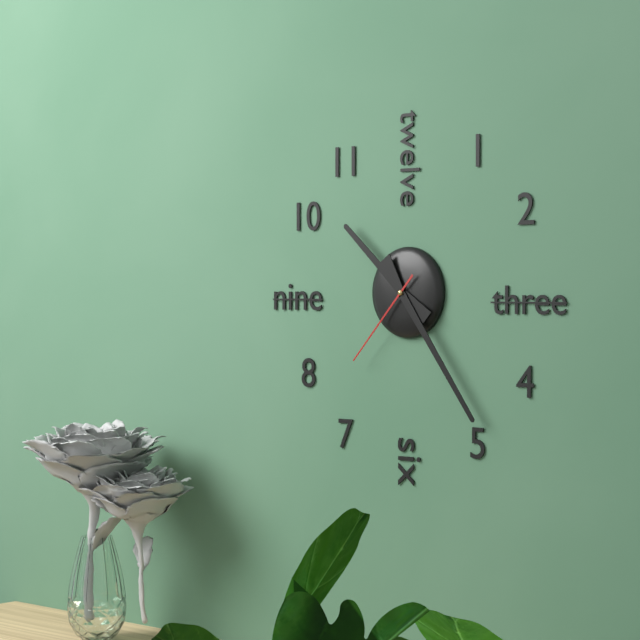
10h24m37s
